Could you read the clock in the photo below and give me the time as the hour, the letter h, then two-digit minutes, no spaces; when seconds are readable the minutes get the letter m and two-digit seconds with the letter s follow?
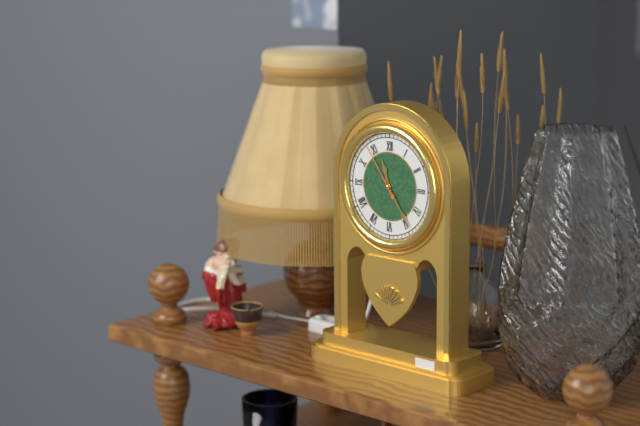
11h24m54s
